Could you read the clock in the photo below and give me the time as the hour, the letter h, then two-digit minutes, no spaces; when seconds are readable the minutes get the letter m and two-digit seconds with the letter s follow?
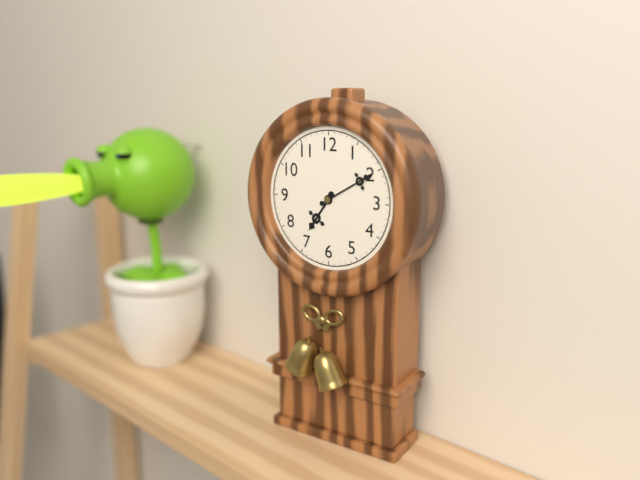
7h10
